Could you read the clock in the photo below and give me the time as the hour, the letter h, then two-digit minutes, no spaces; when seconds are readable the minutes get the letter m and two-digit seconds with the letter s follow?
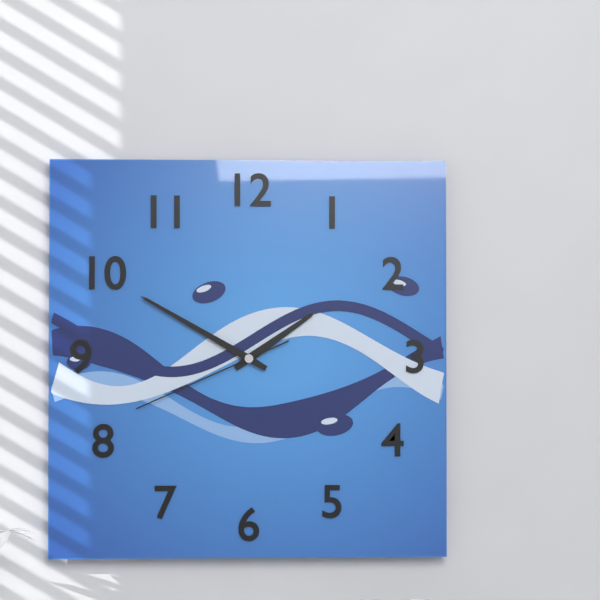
1h50m41s
